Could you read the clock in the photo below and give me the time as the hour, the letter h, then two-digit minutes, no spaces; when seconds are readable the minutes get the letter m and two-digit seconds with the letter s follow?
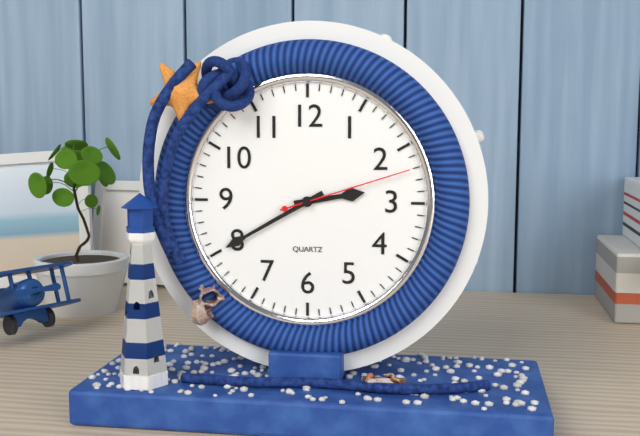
2h40m12s
